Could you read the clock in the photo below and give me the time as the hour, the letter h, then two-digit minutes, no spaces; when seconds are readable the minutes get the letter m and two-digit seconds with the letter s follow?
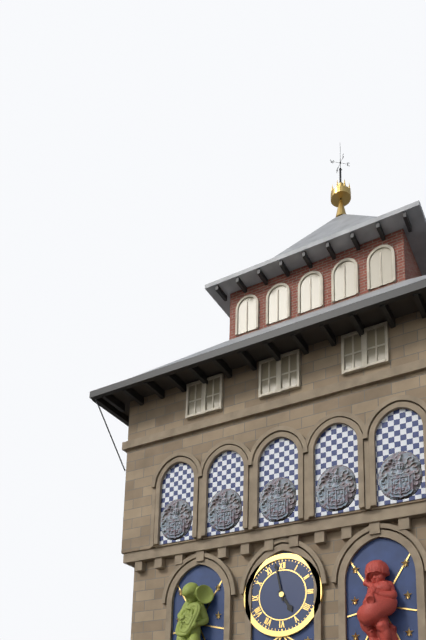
4h58
